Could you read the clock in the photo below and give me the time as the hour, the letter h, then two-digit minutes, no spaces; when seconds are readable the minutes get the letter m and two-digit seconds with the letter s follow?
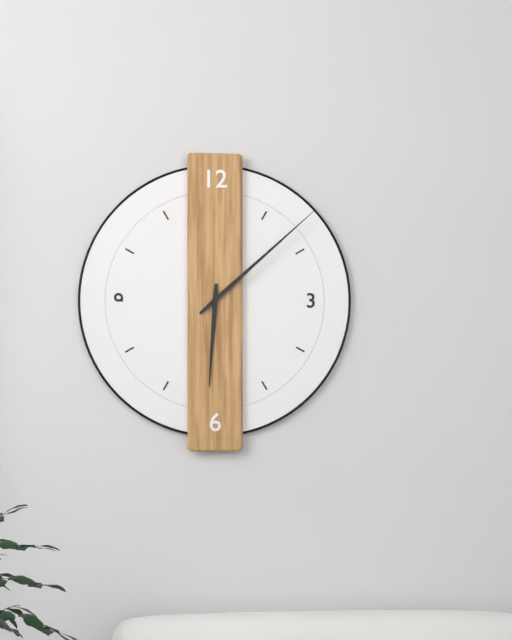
6h08
